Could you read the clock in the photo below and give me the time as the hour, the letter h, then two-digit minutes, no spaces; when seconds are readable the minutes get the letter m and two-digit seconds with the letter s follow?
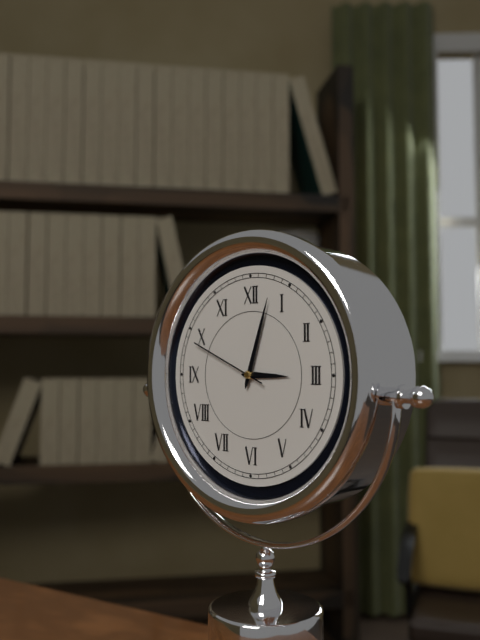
3h03m49s
